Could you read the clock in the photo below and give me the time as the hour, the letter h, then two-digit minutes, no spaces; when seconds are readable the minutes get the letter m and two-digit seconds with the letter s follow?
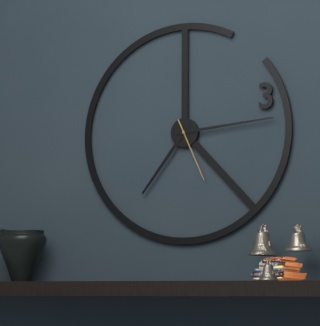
7h14m26s
